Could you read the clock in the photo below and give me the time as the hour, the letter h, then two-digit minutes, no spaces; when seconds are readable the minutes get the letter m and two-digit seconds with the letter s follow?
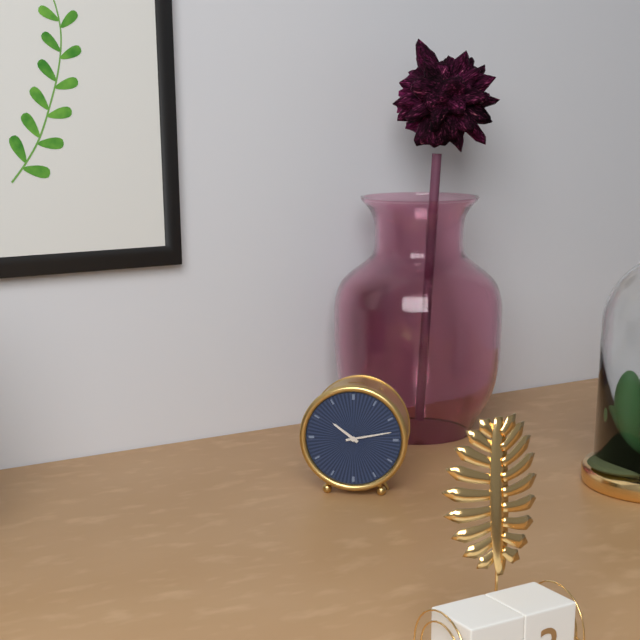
10h13
